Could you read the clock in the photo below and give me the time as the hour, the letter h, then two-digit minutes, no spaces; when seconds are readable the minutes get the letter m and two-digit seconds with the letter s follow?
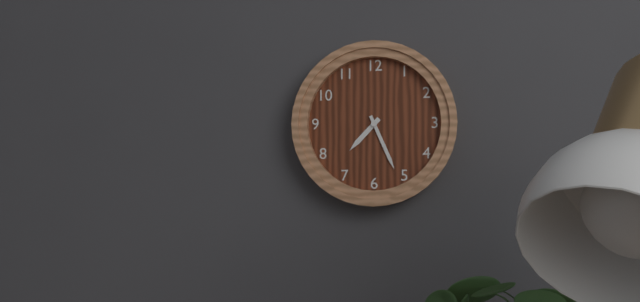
7h26
